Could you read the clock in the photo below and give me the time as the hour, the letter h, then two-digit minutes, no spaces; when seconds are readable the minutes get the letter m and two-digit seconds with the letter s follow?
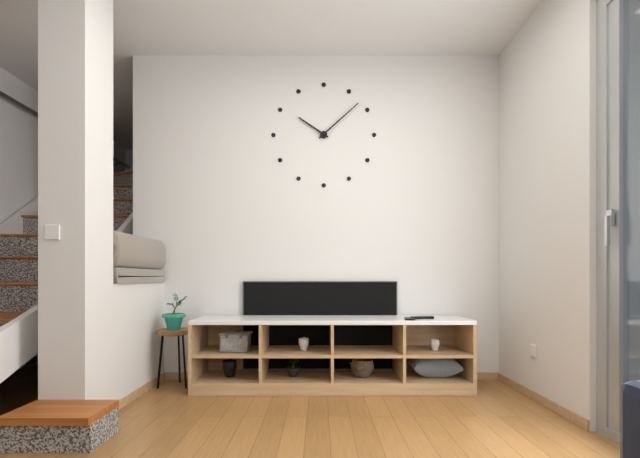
10h08
